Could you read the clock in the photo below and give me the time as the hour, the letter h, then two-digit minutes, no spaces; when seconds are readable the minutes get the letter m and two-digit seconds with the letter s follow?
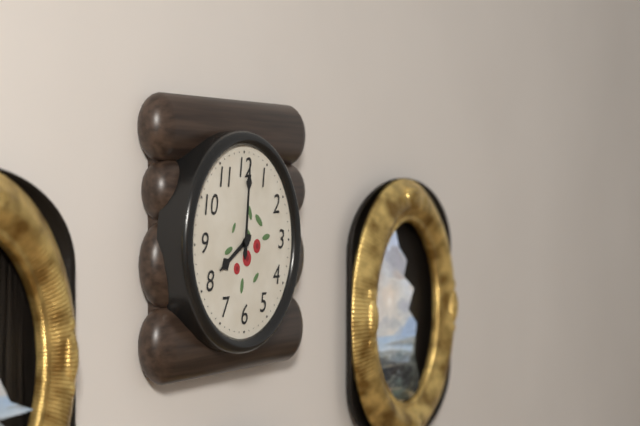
8h01
